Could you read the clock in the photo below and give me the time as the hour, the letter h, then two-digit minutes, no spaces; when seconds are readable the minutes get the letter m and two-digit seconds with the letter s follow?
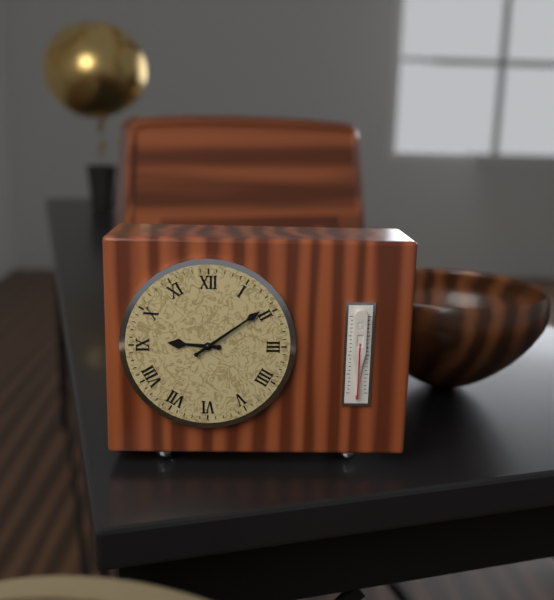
9h09
